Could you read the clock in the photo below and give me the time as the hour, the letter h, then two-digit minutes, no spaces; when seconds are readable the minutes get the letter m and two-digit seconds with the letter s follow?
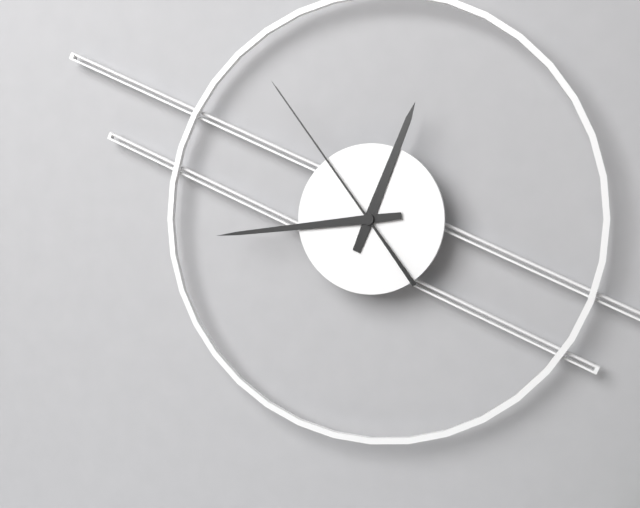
12h44m54s
